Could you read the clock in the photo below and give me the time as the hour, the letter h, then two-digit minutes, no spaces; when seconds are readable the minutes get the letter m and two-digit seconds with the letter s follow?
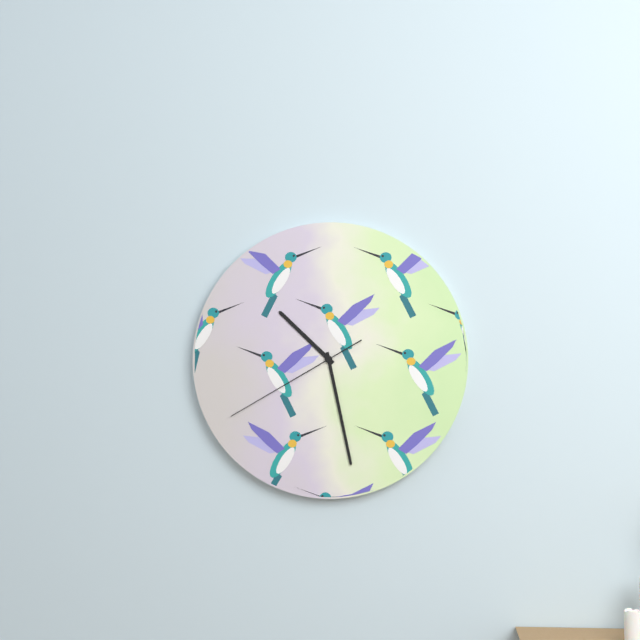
10h28m40s
